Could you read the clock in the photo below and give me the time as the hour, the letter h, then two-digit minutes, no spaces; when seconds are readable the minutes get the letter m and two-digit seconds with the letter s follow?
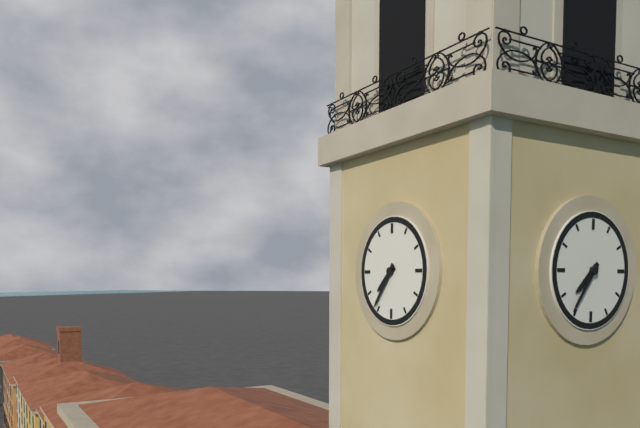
7h36
